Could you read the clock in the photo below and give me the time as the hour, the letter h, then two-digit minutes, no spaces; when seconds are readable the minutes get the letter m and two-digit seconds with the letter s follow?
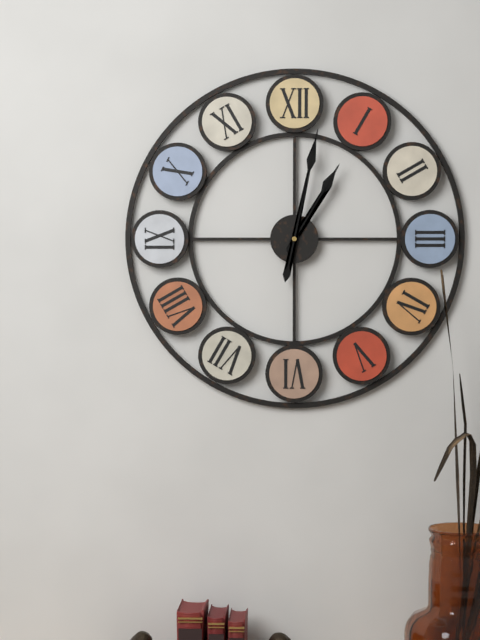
1h02
